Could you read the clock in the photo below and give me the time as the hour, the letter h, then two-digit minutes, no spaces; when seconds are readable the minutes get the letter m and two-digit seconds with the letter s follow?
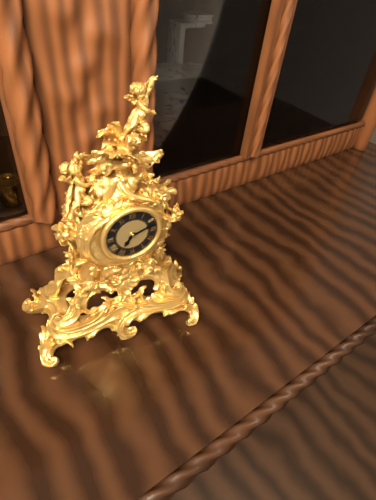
7h12
